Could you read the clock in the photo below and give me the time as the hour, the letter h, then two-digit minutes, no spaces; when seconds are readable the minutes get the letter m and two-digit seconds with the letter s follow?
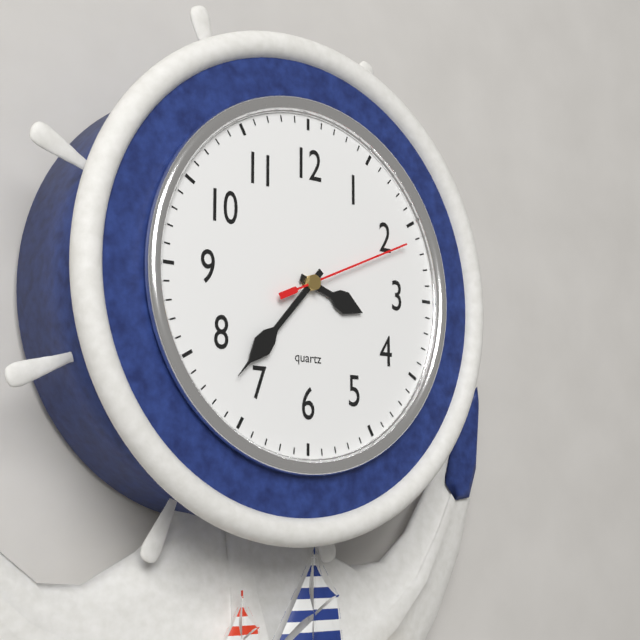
3h37m11s
